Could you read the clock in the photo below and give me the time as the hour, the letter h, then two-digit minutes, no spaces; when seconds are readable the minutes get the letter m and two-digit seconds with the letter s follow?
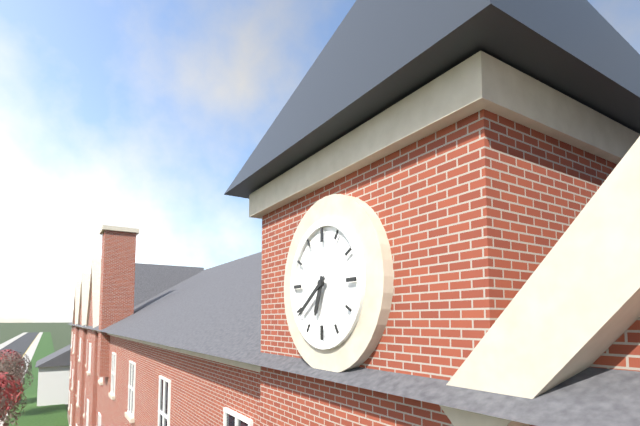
6h39
